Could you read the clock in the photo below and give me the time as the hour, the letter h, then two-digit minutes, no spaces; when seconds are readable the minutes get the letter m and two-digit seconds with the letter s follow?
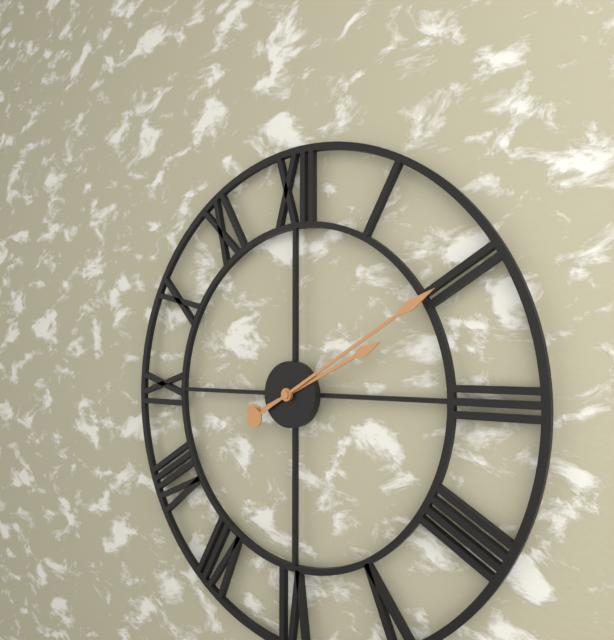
2h10
